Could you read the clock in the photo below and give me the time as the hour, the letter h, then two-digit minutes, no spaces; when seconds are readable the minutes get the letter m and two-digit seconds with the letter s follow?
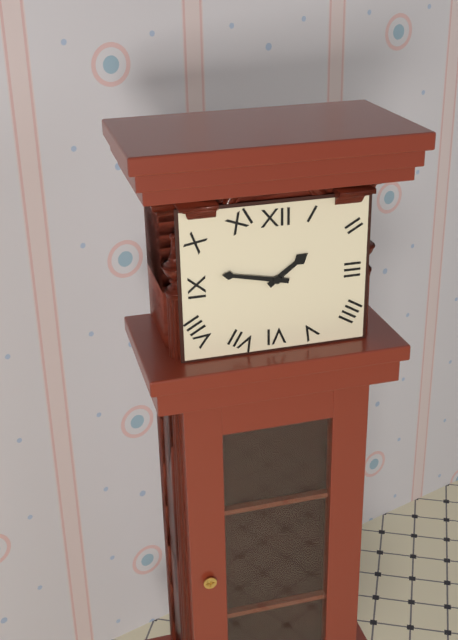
1h47
